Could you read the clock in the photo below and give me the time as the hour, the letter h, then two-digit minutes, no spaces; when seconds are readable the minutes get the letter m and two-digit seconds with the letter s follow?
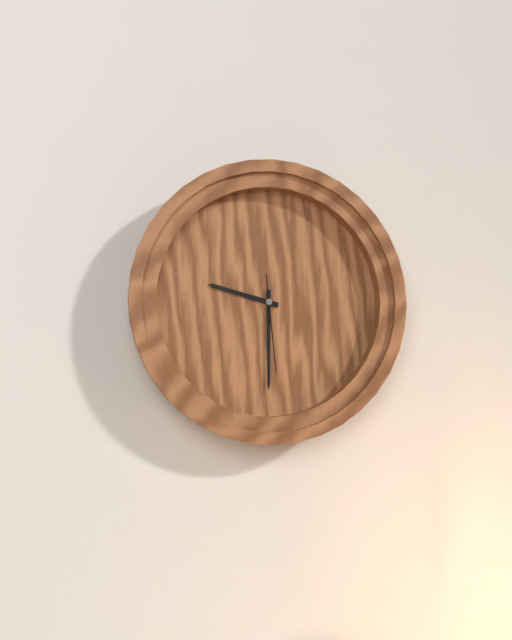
9h30m29s
